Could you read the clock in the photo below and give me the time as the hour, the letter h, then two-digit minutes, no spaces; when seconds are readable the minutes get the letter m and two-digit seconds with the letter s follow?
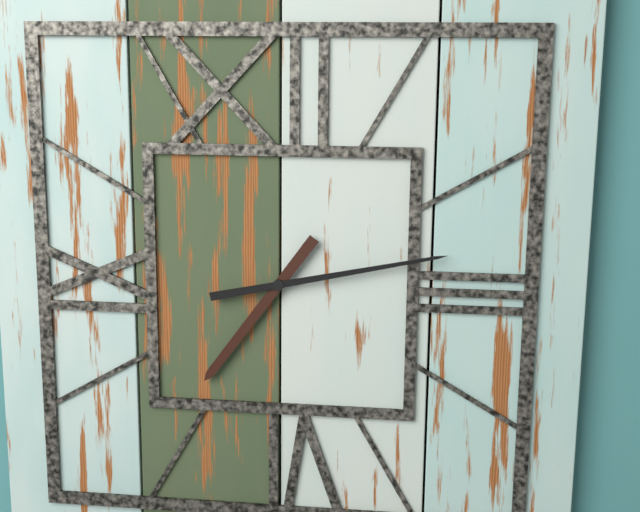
7h13
